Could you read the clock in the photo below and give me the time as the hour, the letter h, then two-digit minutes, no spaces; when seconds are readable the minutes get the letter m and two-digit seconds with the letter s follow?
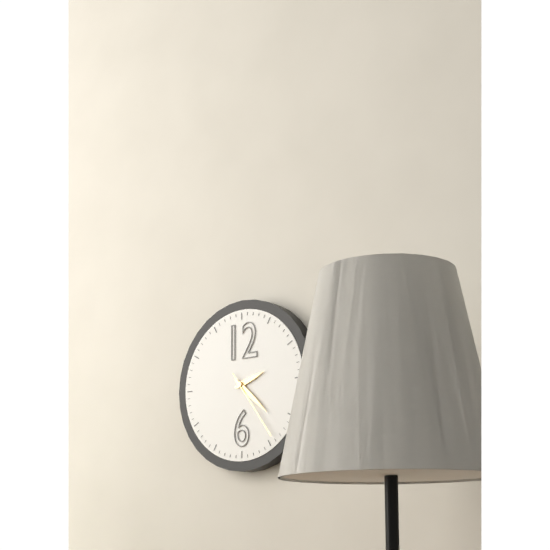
2h22m24s
